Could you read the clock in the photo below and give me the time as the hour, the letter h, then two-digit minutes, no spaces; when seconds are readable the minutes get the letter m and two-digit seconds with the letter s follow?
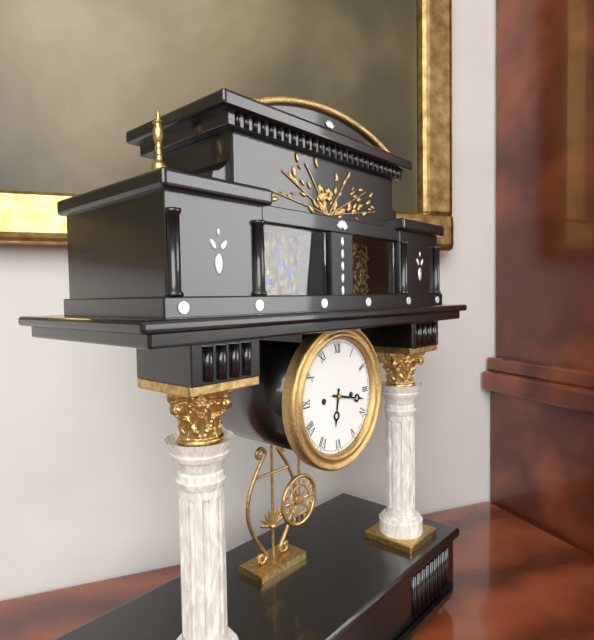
6h17
